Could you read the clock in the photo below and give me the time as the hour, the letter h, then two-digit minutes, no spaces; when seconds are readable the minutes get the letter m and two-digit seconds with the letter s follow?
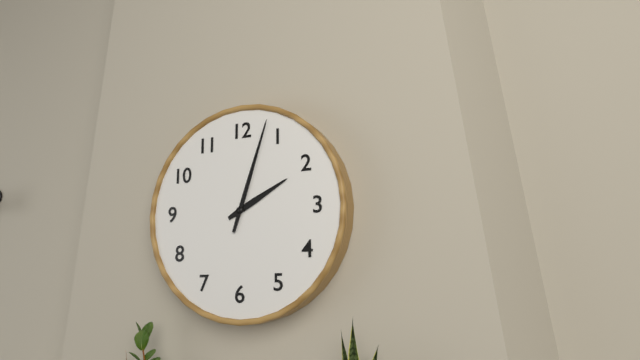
2h03
